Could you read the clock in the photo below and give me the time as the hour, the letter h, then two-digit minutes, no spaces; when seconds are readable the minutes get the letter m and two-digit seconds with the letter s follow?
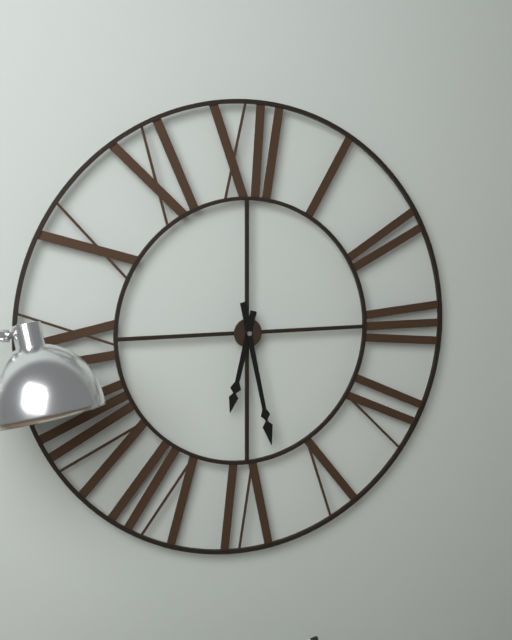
6h28
